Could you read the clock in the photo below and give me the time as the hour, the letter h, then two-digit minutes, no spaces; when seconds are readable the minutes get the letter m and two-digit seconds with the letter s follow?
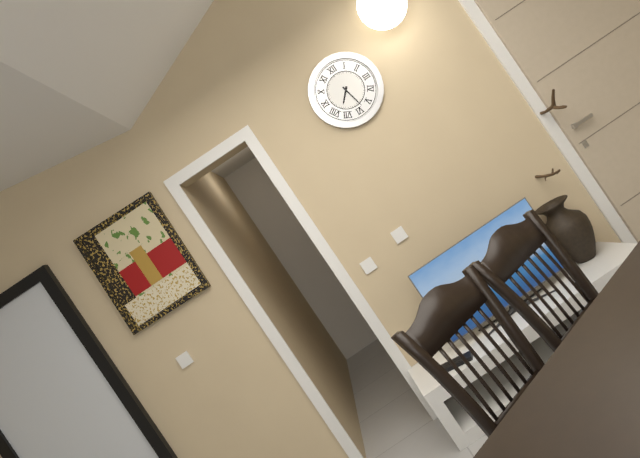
7h28
